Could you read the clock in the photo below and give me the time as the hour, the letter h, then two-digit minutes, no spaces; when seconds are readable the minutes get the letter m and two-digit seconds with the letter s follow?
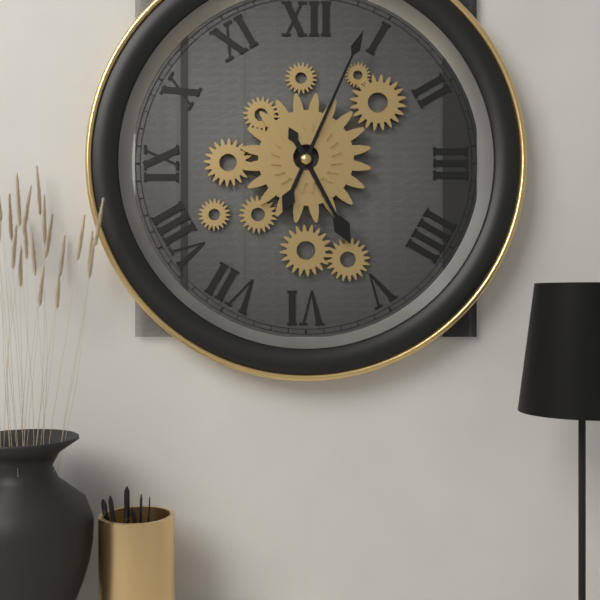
5h04
